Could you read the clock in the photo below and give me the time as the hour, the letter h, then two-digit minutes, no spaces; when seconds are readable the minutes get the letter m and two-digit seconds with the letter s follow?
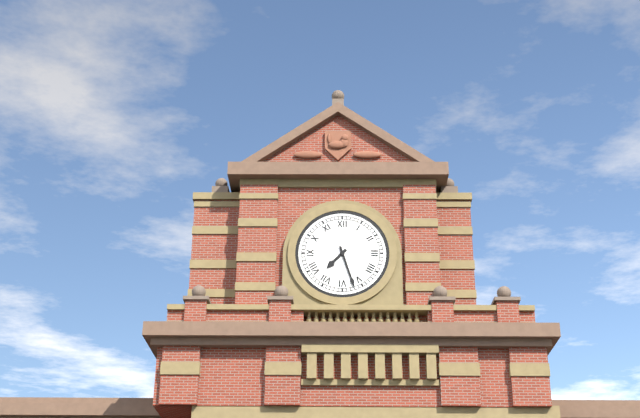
7h27
